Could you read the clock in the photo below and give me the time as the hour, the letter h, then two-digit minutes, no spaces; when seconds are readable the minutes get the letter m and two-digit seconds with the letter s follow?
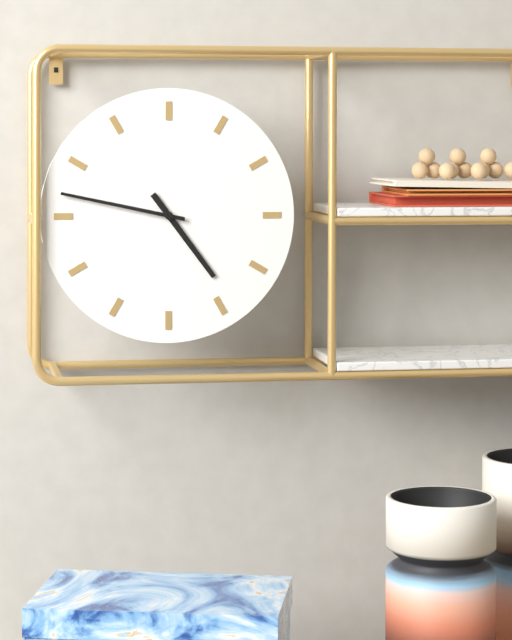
4h47
